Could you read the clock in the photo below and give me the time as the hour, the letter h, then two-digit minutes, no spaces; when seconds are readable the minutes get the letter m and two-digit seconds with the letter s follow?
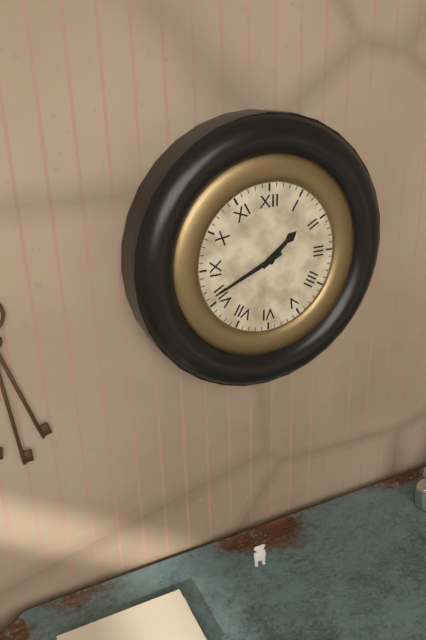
1h41
